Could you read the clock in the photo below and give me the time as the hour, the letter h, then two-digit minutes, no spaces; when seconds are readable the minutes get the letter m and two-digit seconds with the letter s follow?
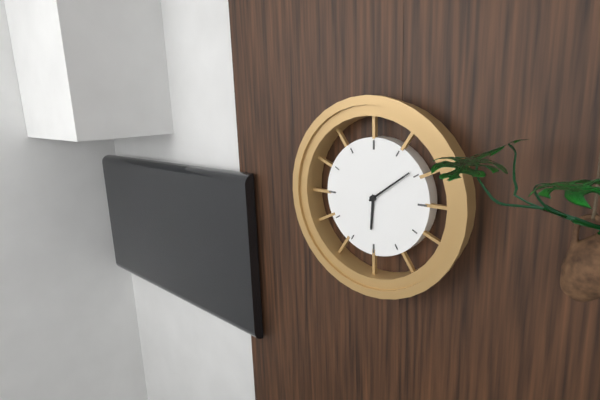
6h09
